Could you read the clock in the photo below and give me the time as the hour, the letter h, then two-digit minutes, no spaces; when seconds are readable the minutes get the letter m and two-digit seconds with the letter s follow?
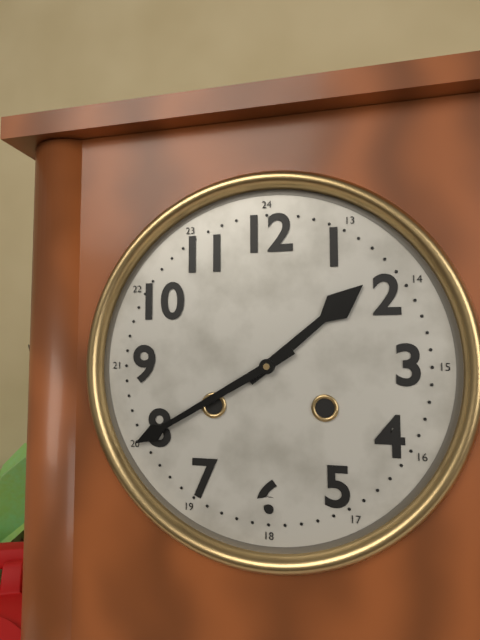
1h40
